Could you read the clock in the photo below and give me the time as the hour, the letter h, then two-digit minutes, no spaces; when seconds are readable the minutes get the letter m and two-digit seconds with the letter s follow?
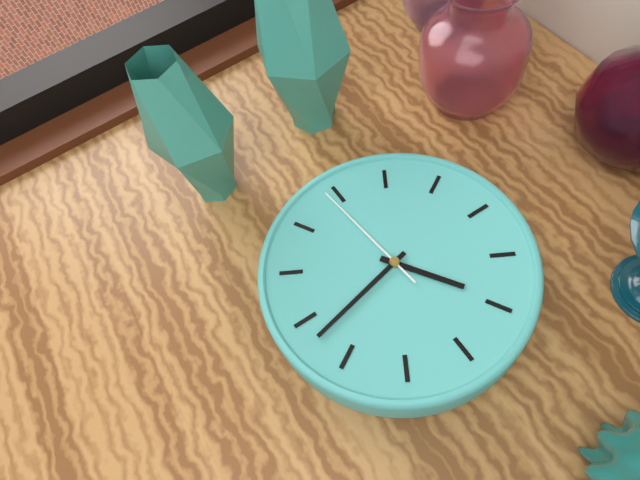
6h53m09s
